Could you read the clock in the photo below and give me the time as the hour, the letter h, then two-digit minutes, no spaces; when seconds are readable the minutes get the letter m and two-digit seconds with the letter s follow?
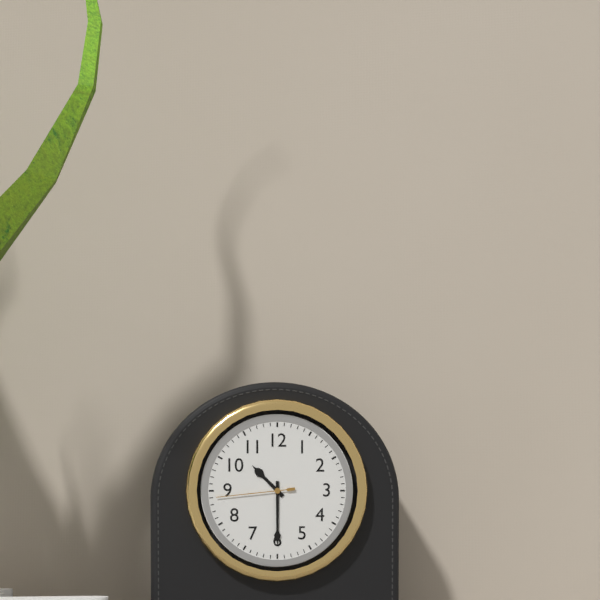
10h30m44s
